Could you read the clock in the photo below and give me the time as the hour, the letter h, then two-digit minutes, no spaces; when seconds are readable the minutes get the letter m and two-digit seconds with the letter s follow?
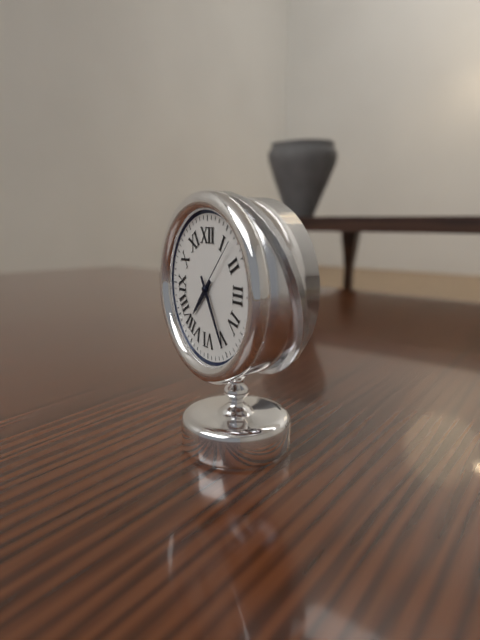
7h25m07s
